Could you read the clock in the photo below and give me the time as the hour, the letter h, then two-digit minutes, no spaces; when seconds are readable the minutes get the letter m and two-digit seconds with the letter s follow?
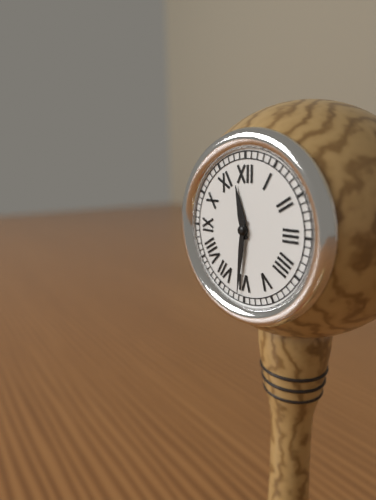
11h31
